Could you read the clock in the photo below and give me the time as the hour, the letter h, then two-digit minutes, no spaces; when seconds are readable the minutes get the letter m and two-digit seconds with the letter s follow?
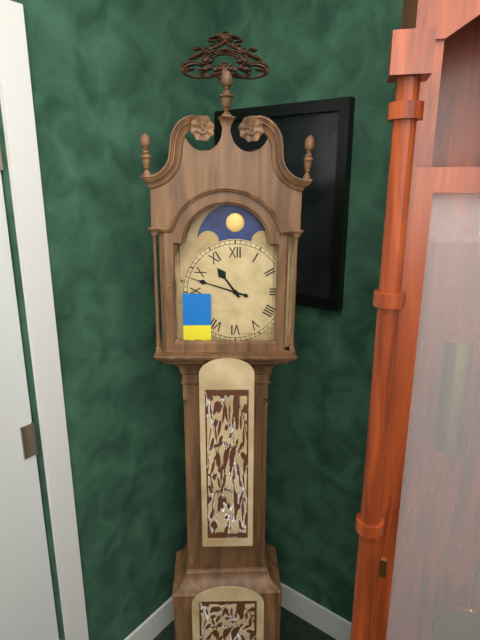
10h48
